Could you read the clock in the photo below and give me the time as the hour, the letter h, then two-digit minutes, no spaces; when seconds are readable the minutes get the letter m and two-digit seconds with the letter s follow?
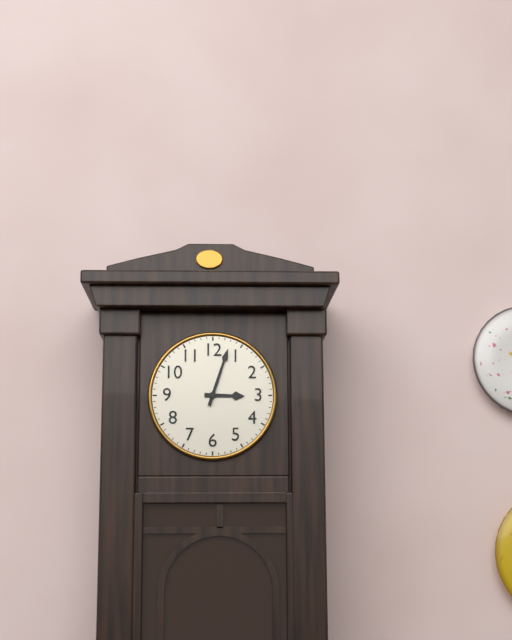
3h03
